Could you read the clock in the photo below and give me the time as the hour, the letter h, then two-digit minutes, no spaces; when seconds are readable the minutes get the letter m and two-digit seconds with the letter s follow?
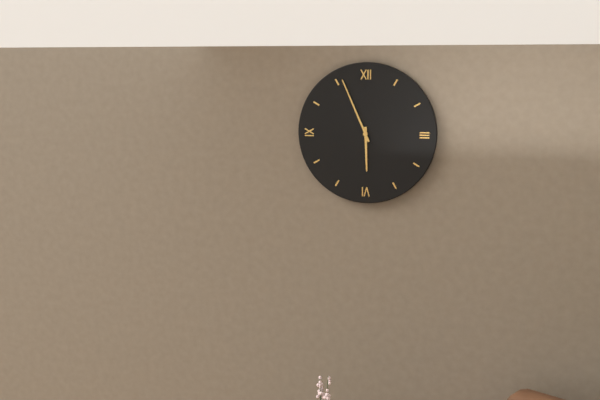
5h56
